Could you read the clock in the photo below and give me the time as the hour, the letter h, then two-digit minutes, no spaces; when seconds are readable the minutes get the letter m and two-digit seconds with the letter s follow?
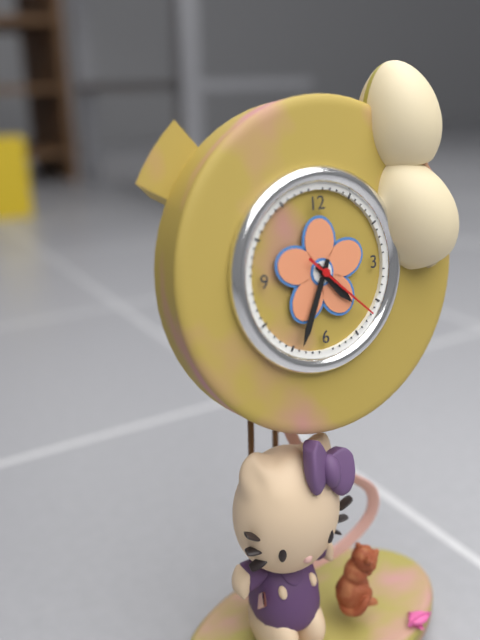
4h34m22s
